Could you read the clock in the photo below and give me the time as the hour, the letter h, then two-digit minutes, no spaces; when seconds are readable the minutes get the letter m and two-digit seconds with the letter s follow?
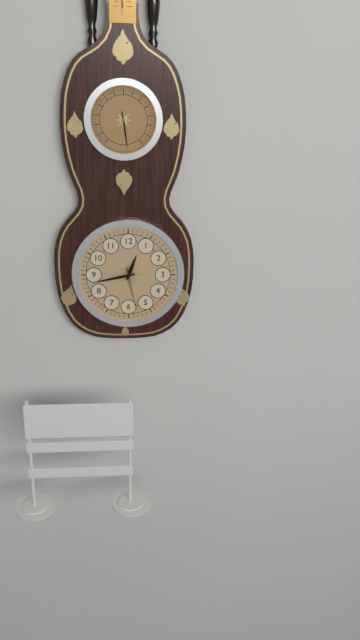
12h43
